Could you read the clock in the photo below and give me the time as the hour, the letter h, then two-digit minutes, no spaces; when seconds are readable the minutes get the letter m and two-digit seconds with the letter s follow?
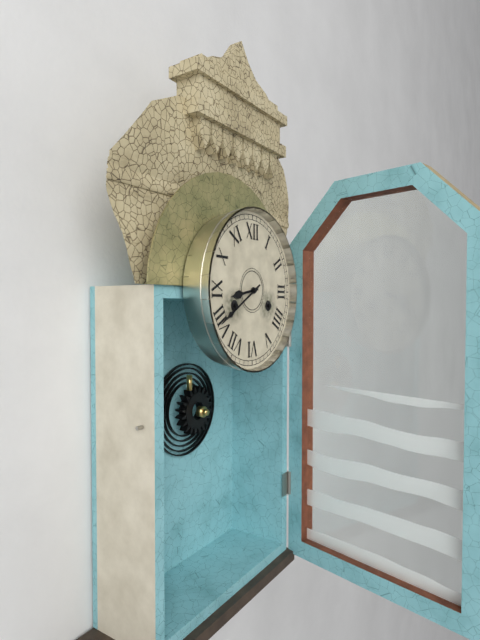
8h40
